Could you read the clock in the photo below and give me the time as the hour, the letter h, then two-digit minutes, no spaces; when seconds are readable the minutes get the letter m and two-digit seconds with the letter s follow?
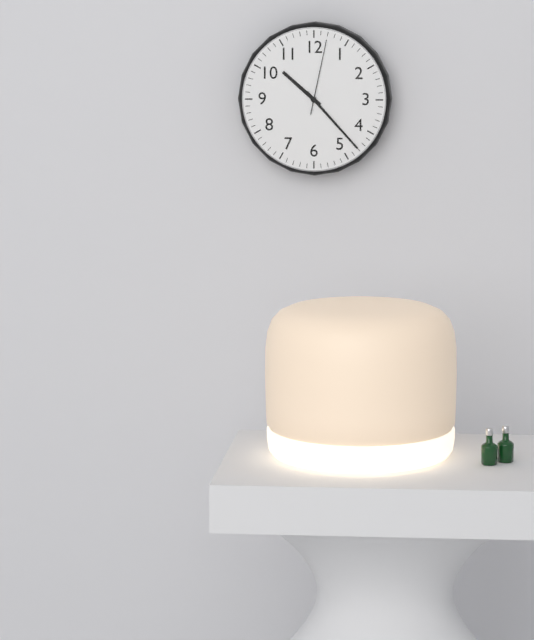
10h23m02s
